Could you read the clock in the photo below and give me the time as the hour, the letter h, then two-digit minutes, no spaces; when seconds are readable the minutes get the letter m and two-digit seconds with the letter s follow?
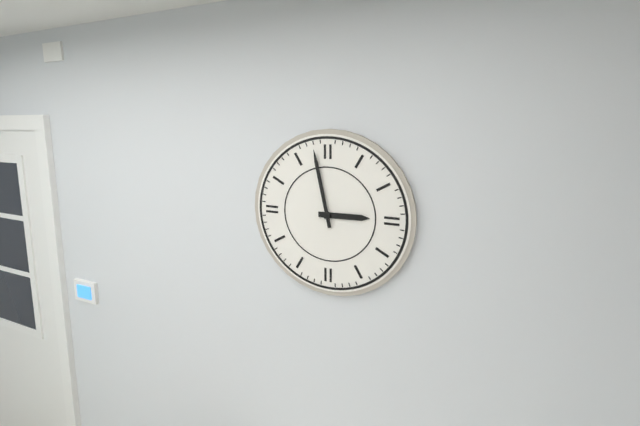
2h58
